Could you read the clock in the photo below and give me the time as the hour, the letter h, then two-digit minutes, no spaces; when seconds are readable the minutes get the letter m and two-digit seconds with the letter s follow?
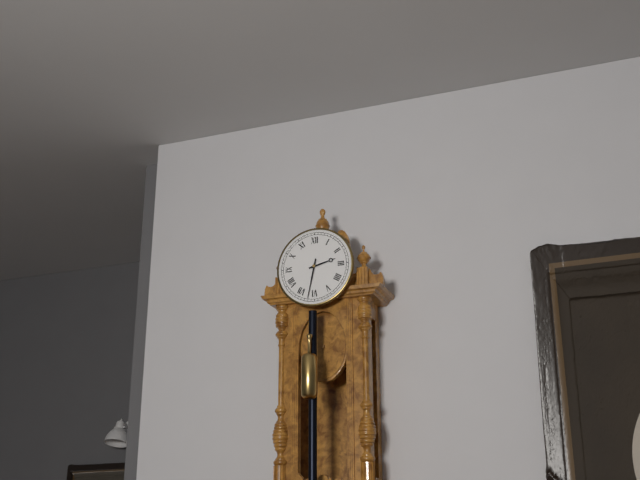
2h32
